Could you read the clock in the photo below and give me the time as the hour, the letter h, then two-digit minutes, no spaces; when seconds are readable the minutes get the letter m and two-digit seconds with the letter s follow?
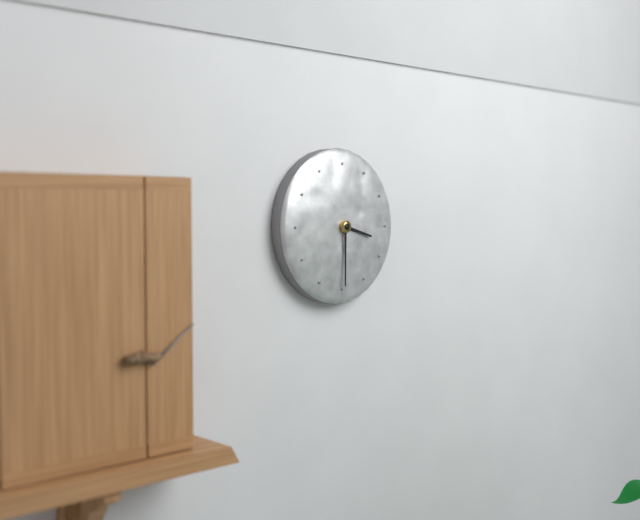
3h30
